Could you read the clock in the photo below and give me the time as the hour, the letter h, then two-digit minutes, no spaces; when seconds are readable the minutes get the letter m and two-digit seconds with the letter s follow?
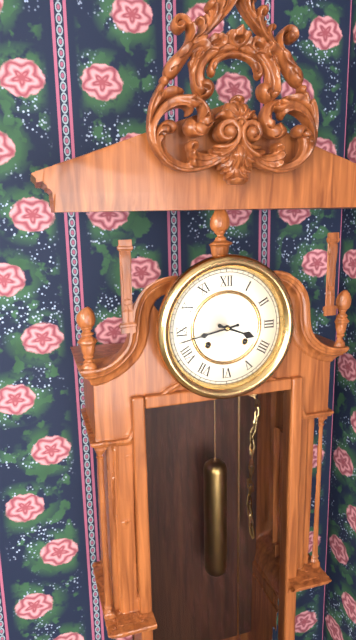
3h43
